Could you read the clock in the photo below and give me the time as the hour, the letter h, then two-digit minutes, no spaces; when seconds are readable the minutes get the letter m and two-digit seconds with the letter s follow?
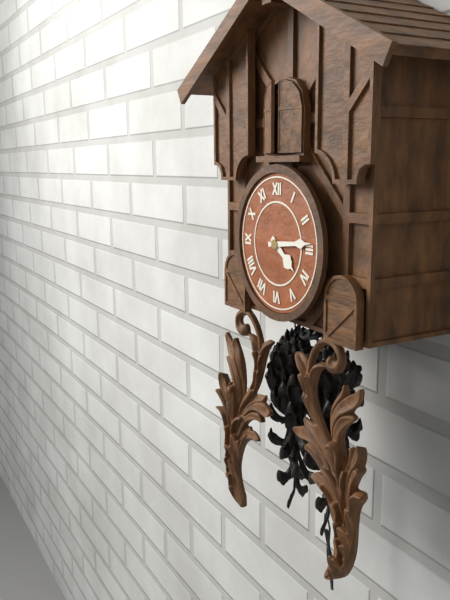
4h14
